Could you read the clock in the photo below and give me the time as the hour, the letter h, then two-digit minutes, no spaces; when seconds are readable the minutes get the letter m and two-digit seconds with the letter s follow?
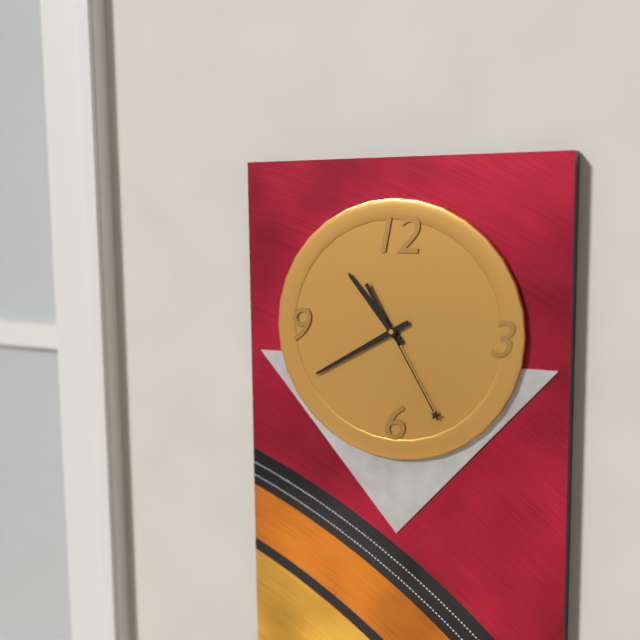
10h40m25s
